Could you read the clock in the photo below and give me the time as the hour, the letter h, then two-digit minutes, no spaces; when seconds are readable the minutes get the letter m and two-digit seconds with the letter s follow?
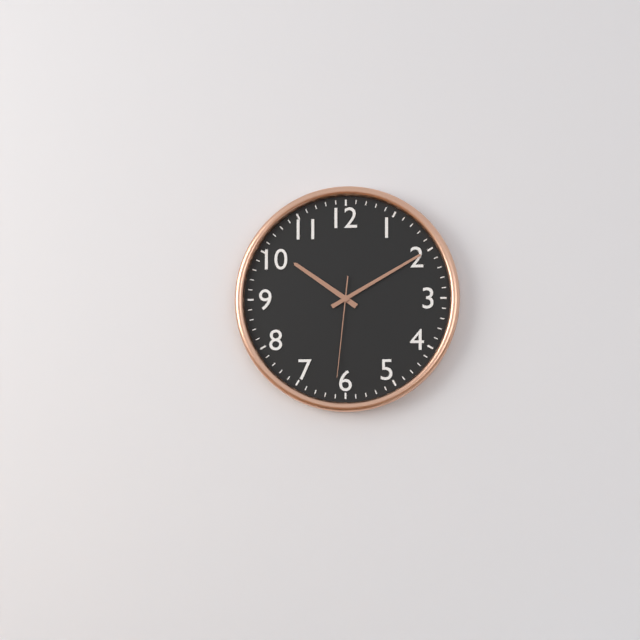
10h10m31s
